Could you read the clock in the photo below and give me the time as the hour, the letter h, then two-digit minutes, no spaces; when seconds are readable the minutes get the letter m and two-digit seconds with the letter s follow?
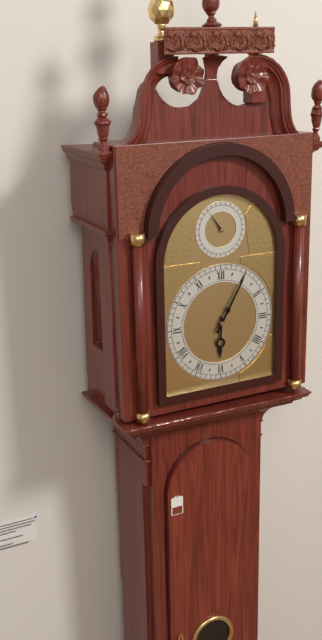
6h05
